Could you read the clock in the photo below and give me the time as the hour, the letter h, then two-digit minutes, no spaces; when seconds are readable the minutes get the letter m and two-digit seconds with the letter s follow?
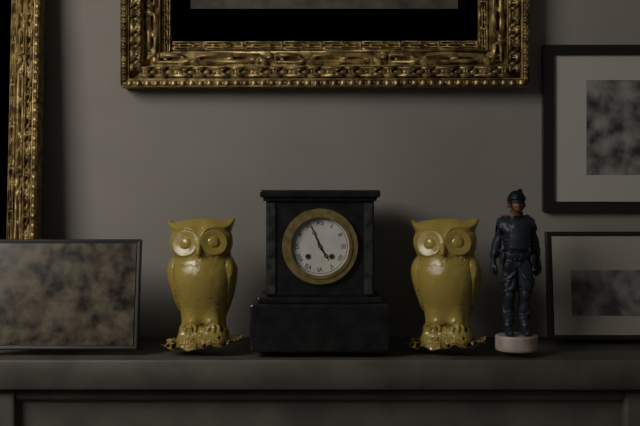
4h56
